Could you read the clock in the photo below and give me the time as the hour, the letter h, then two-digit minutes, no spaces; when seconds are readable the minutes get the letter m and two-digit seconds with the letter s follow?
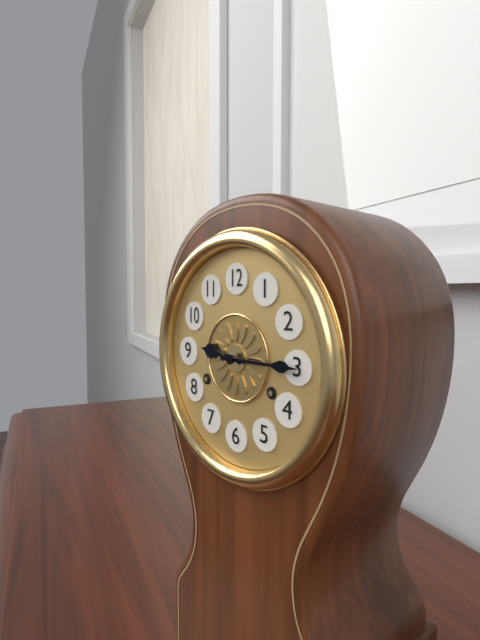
9h15
